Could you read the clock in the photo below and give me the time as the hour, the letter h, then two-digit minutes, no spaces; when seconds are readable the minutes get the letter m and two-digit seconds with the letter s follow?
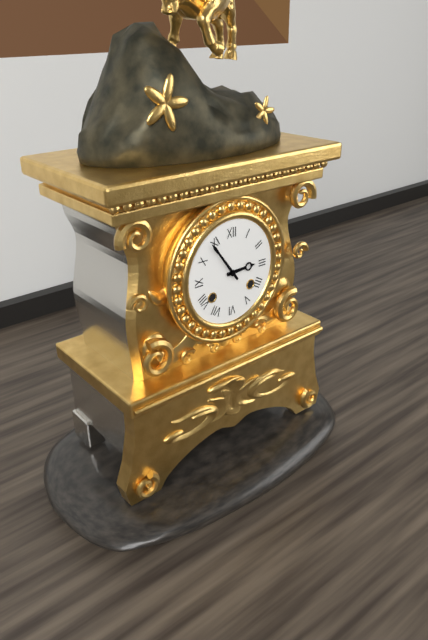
2h54
